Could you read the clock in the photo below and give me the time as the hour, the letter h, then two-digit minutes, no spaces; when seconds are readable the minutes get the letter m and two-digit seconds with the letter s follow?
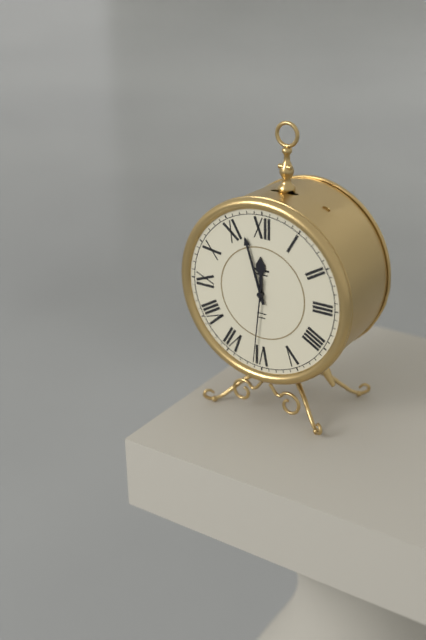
11h57m31s
